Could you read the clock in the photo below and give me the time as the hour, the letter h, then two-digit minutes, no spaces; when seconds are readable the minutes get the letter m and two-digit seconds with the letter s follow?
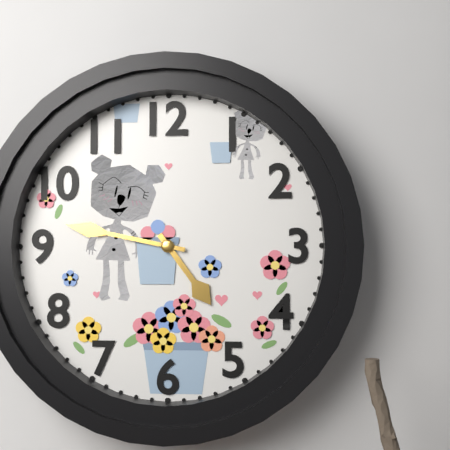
4h47
